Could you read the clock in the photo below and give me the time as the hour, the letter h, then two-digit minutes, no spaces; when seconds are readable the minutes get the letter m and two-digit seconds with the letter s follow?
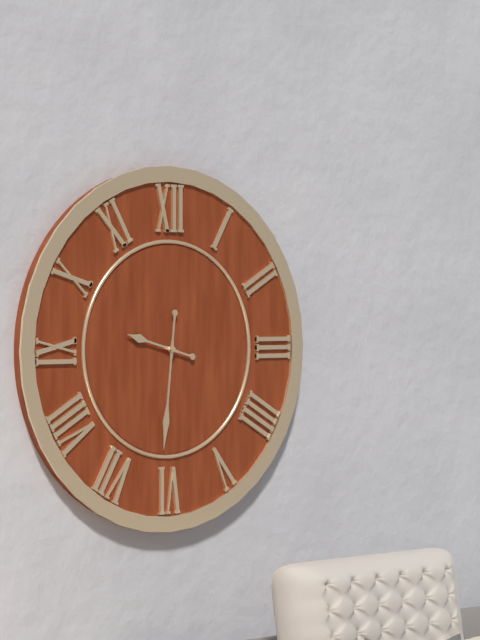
9h31
